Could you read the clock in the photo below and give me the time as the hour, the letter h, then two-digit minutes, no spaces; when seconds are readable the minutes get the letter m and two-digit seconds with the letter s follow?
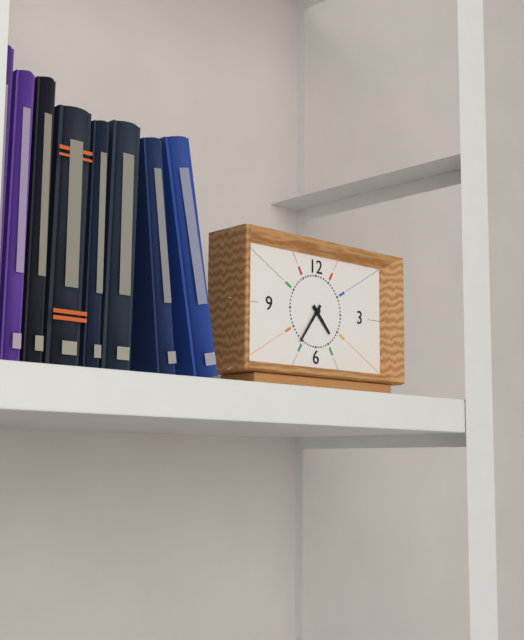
4h36
